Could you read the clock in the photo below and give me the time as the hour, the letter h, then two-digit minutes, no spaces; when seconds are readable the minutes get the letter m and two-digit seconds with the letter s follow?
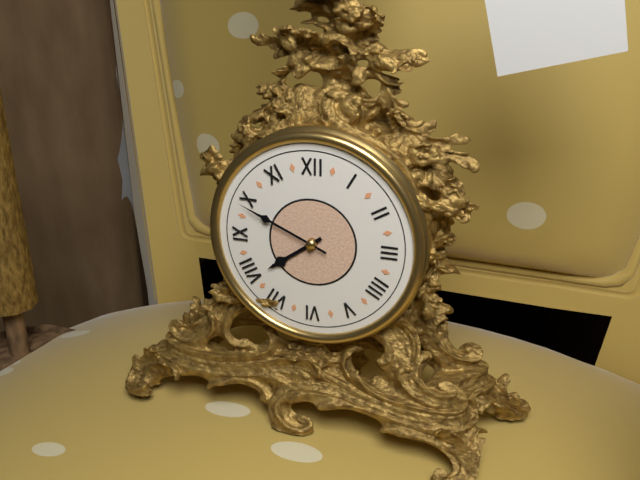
7h49
